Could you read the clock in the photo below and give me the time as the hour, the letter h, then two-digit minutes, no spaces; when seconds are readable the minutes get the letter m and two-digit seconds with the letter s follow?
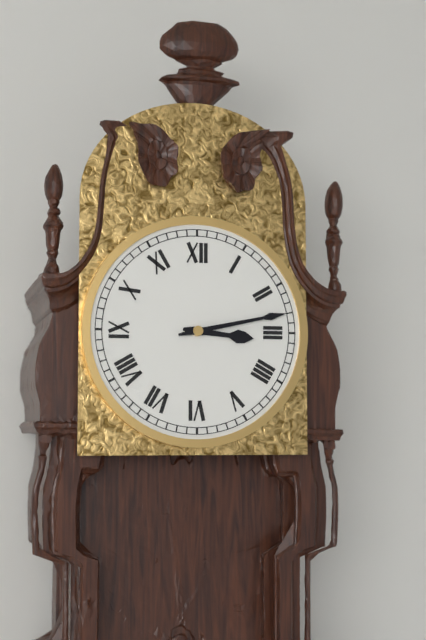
3h13
